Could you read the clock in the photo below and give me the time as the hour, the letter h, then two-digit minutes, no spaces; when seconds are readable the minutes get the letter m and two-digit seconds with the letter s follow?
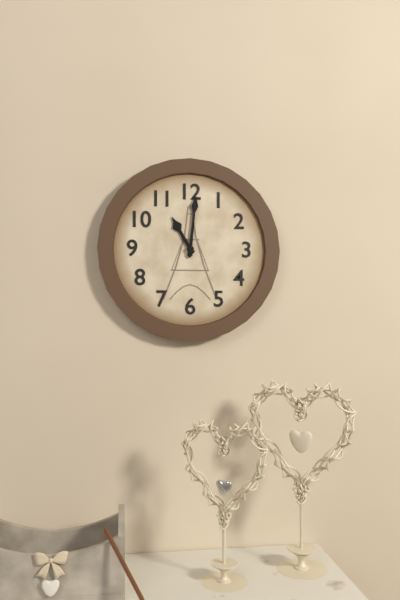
11h01
